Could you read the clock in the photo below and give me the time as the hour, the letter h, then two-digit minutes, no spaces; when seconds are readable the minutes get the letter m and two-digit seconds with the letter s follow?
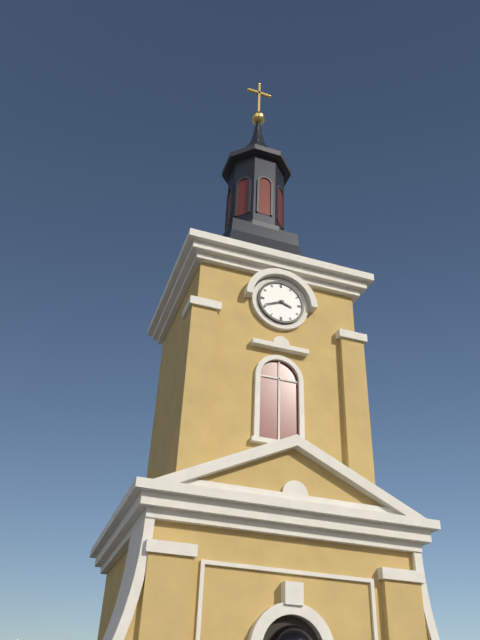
3h41
